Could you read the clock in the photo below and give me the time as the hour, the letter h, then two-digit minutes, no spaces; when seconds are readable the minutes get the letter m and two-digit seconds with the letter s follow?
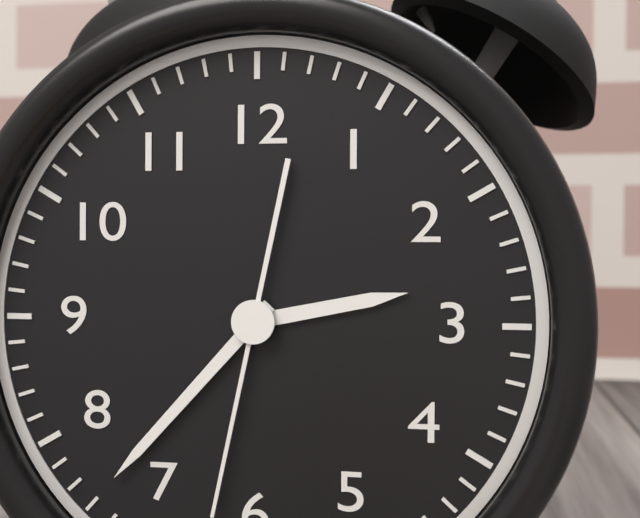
2h37m32s
